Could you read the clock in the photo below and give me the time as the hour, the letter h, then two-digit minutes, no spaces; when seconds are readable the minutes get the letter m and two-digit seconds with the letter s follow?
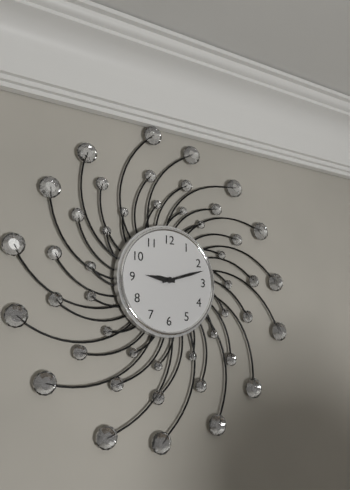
9h12
